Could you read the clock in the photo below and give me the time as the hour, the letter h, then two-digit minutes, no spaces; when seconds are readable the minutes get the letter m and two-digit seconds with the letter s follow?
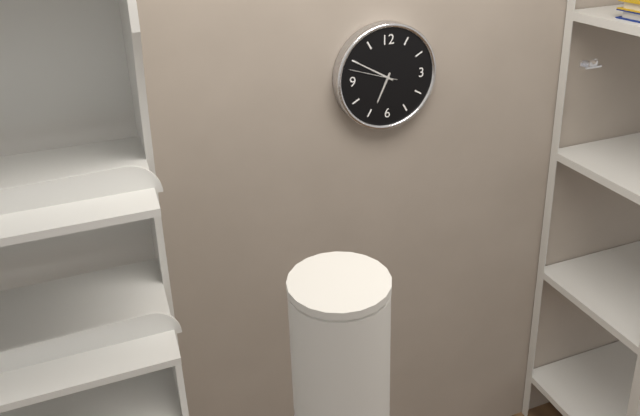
6h50m48s
